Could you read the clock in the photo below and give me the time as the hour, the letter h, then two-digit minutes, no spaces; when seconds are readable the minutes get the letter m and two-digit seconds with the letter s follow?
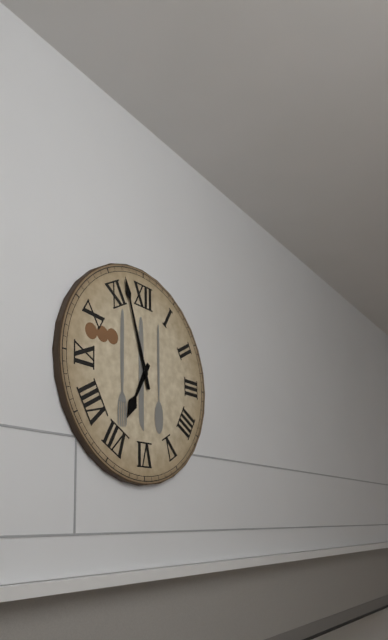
6h57
